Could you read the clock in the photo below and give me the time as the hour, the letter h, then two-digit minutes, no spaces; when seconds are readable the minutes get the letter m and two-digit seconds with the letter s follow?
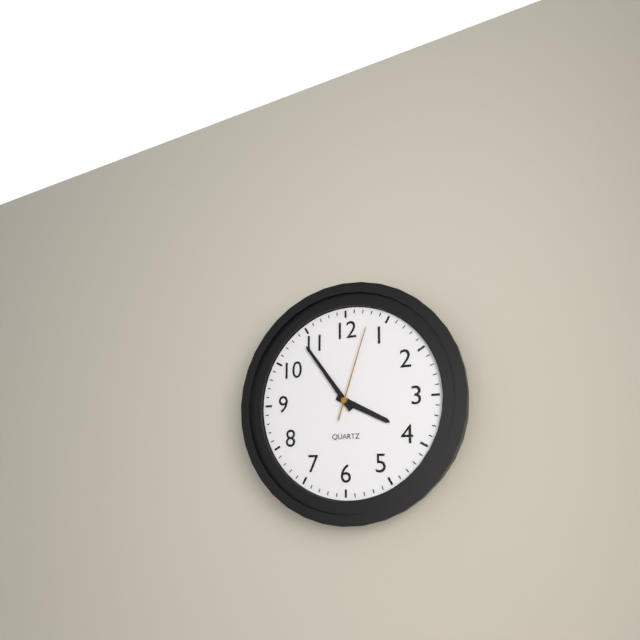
3h54m03s
